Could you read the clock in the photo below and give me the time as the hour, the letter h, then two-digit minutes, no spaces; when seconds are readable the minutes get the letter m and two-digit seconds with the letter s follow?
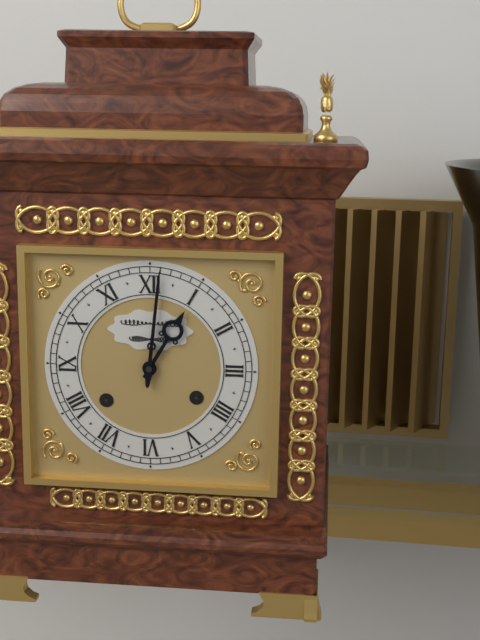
1h01
